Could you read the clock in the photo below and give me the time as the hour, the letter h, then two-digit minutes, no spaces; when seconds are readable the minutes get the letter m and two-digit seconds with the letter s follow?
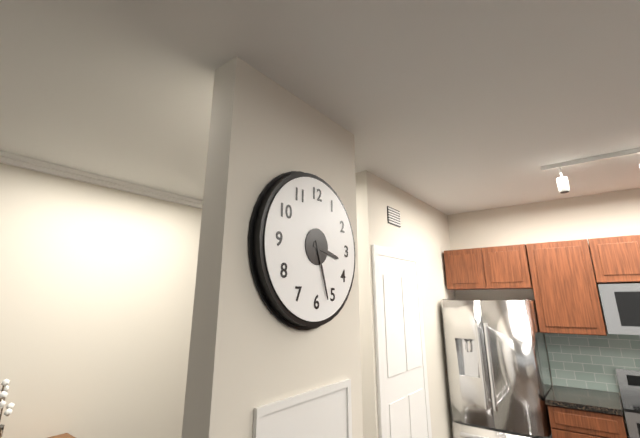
3h27
